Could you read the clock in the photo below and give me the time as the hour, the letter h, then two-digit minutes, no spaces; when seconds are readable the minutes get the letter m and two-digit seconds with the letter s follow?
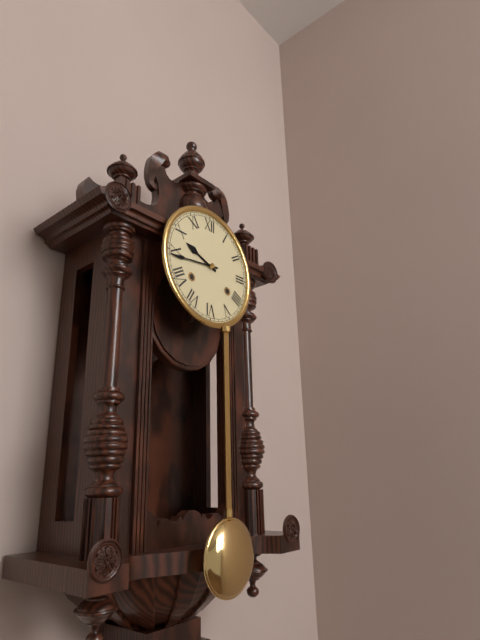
9h44
